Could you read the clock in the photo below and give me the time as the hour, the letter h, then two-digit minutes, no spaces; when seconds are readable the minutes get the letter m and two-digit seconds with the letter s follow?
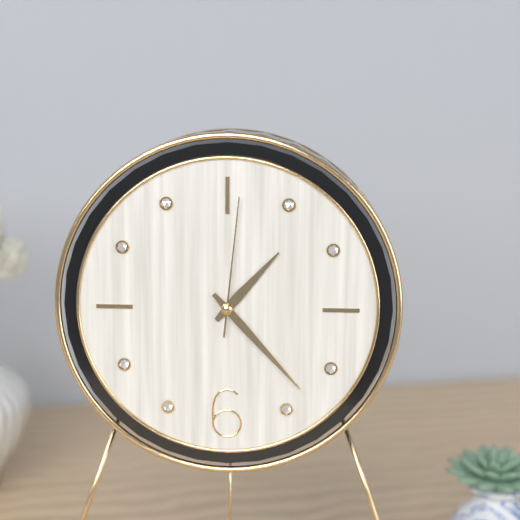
1h23m01s
